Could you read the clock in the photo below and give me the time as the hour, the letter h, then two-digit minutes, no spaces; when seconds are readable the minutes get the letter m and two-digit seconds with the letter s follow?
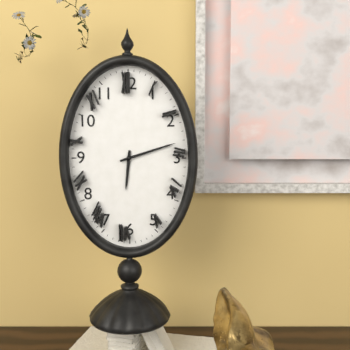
6h12
